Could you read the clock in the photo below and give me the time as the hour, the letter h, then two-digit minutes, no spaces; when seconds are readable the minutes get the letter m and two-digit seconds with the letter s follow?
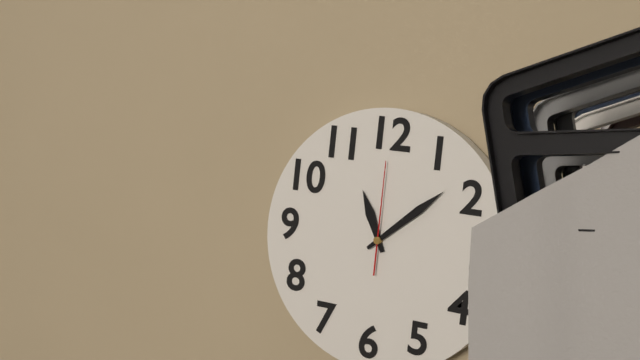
11h08m00s
